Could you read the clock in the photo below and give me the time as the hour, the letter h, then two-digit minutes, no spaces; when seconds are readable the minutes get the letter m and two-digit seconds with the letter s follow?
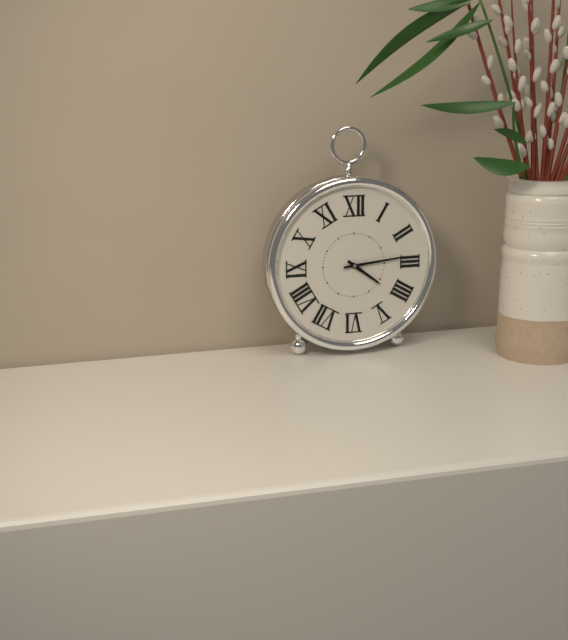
4h14
